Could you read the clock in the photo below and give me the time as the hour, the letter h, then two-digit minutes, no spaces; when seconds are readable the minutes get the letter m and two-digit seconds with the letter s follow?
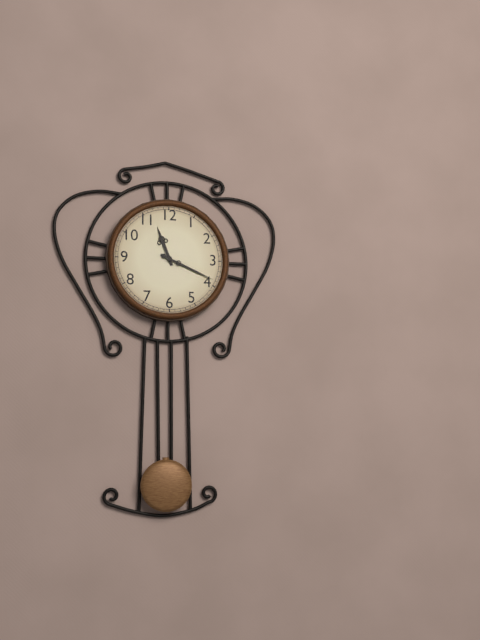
11h19
